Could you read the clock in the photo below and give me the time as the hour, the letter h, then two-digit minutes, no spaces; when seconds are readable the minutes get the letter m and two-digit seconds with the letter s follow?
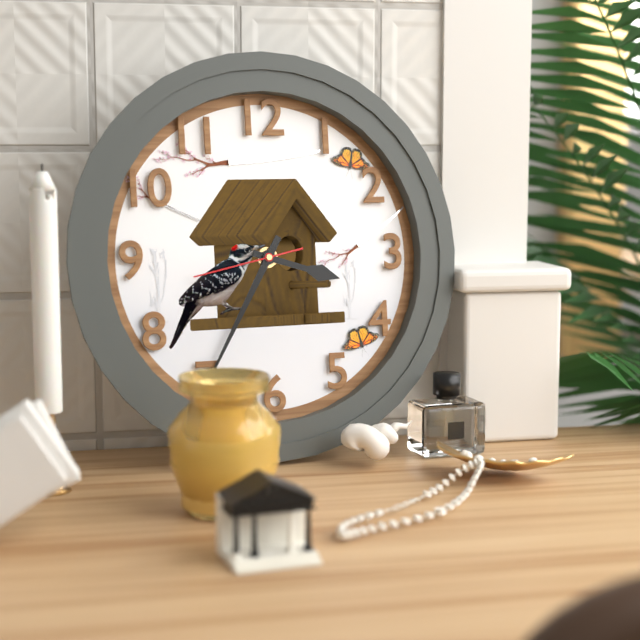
3h35m43s
